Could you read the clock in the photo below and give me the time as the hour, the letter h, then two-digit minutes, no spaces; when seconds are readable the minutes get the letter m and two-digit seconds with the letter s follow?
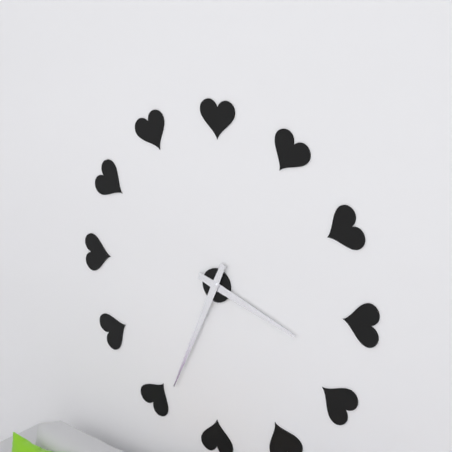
3h34
